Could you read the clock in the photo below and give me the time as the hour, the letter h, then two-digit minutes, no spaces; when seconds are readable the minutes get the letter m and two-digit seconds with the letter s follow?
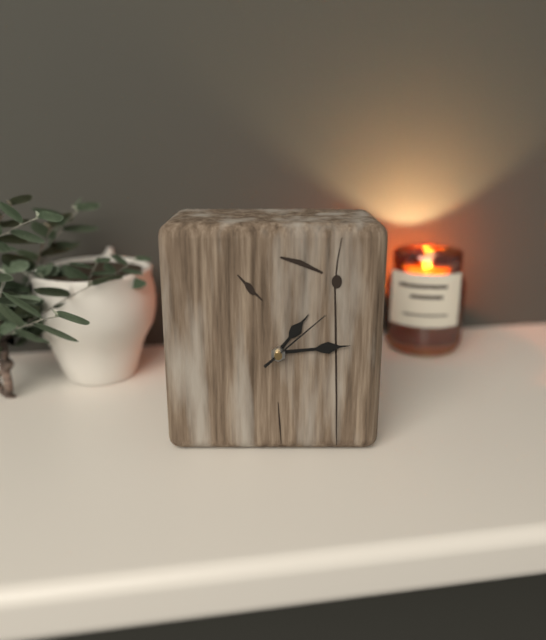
1h14m08s
